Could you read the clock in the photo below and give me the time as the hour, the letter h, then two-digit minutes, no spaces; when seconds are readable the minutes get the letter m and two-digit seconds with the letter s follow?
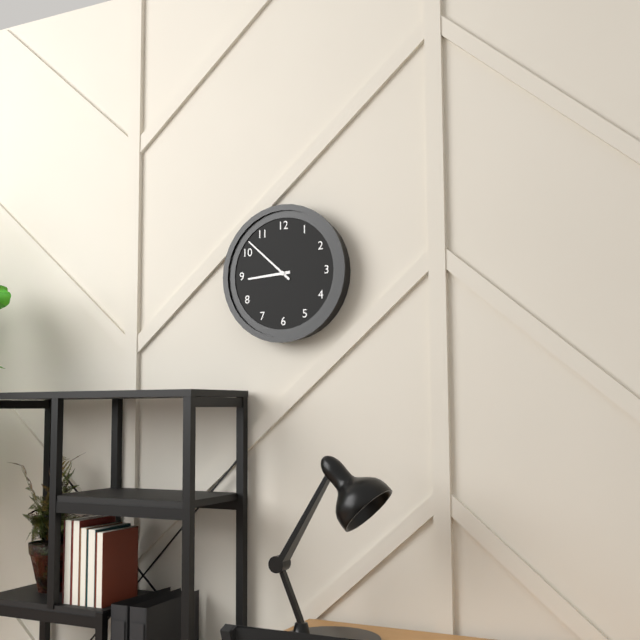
8h52
